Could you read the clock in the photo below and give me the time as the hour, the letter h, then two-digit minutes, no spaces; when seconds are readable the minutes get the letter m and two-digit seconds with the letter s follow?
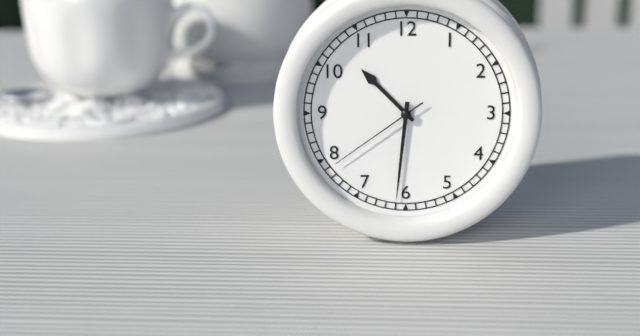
10h31m39s
